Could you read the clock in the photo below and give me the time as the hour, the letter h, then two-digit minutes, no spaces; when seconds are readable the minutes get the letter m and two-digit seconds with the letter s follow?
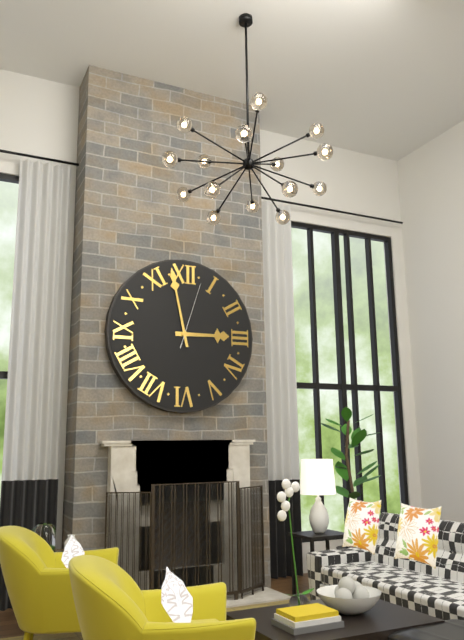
2h58m03s
